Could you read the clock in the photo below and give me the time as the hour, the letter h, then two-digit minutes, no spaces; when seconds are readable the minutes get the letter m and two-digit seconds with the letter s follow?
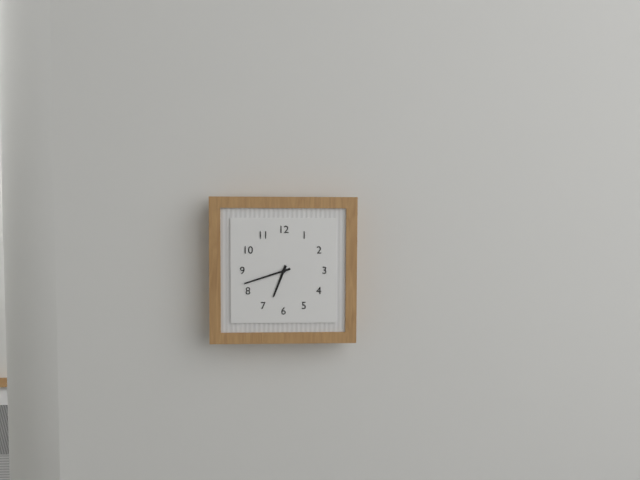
6h42
